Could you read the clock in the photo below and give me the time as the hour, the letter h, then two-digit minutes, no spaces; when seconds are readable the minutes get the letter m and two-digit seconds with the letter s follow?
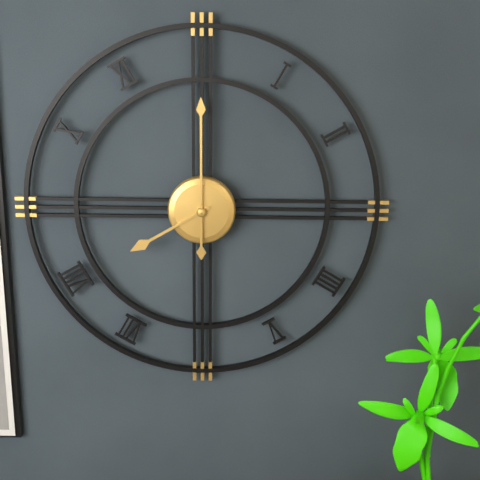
8h00
